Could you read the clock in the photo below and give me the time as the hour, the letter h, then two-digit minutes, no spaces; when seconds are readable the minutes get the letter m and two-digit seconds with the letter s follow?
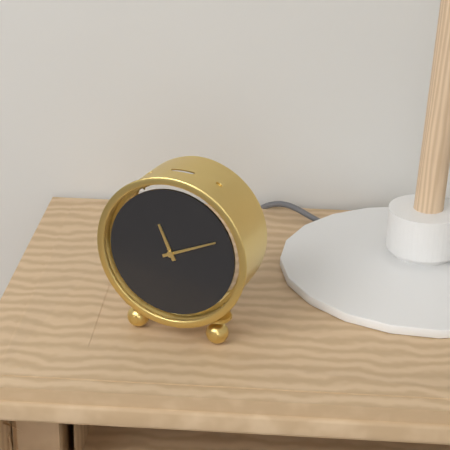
11h11
